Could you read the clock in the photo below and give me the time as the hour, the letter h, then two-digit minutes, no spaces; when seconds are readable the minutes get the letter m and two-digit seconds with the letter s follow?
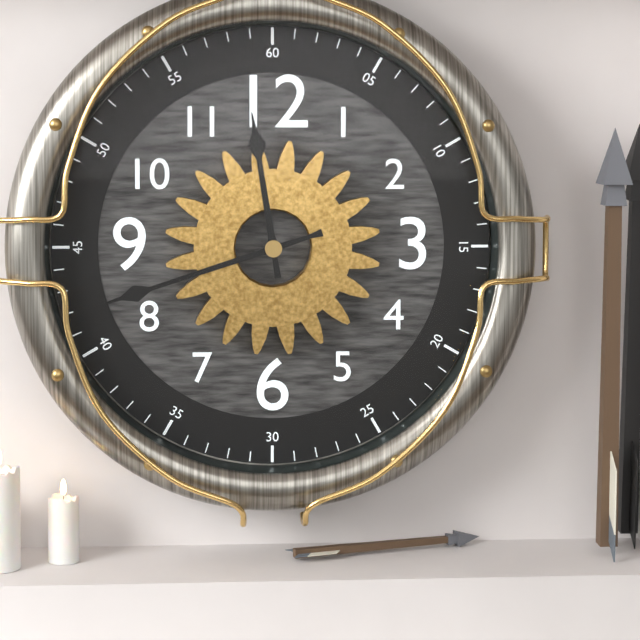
11h42
